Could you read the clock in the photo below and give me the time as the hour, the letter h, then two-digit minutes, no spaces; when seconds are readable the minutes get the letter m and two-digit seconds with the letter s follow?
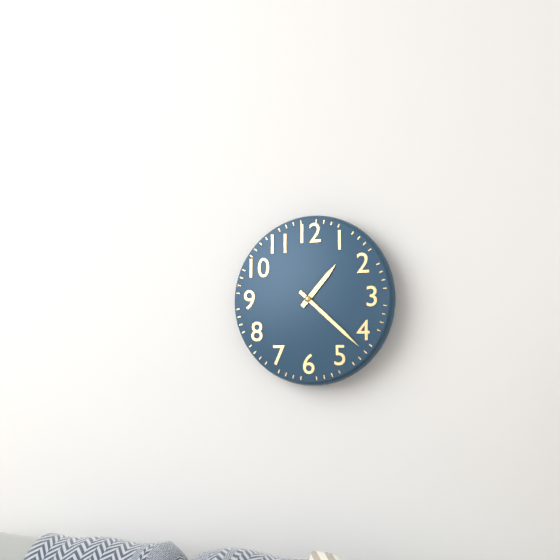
1h22
